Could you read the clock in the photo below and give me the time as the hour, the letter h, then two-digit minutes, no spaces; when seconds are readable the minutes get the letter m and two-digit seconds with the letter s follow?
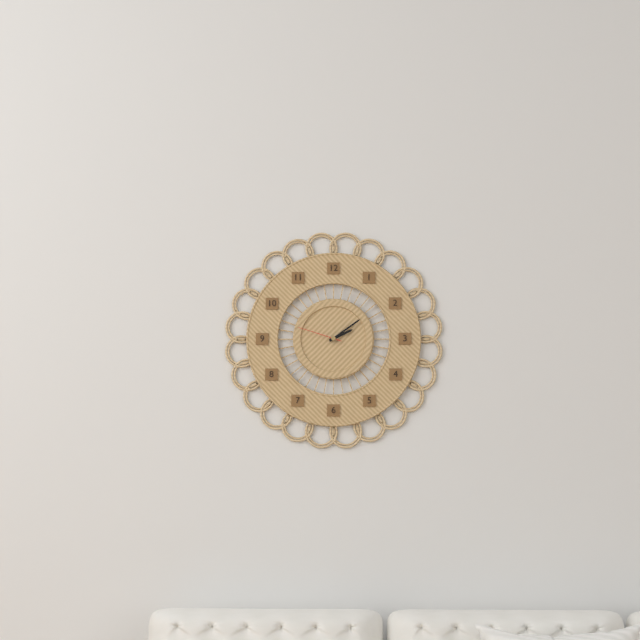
2h09
